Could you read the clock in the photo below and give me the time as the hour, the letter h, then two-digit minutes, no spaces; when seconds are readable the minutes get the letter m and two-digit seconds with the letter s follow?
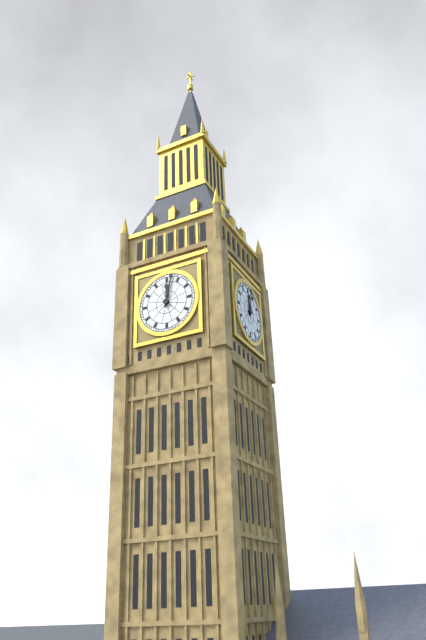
12h02
